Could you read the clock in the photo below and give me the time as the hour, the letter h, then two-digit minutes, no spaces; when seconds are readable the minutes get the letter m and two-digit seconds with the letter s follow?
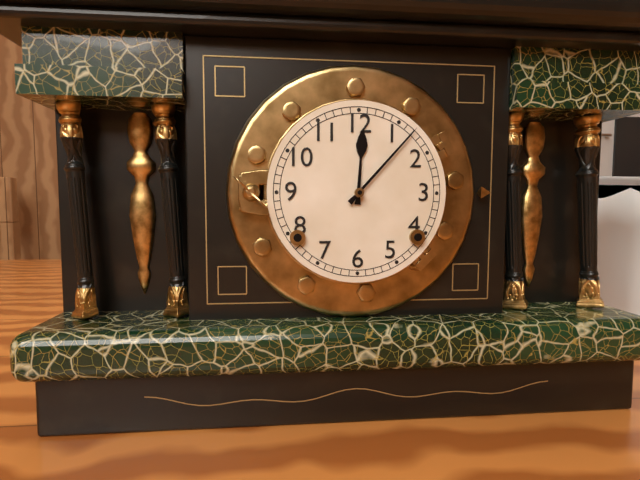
12h07
